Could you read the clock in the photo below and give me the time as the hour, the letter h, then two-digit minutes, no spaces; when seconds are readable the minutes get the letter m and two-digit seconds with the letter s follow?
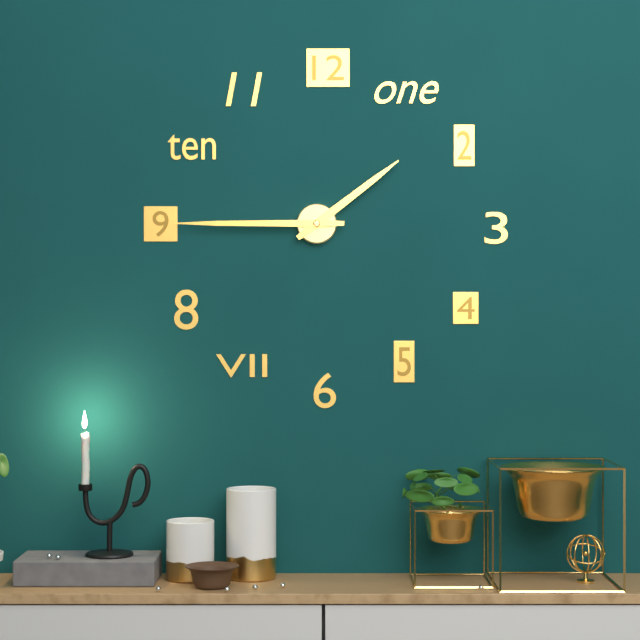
1h45
